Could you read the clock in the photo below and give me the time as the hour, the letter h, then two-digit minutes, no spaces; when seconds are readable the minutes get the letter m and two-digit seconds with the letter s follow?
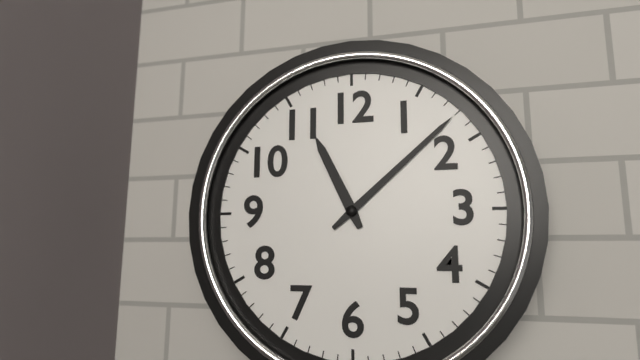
11h08
